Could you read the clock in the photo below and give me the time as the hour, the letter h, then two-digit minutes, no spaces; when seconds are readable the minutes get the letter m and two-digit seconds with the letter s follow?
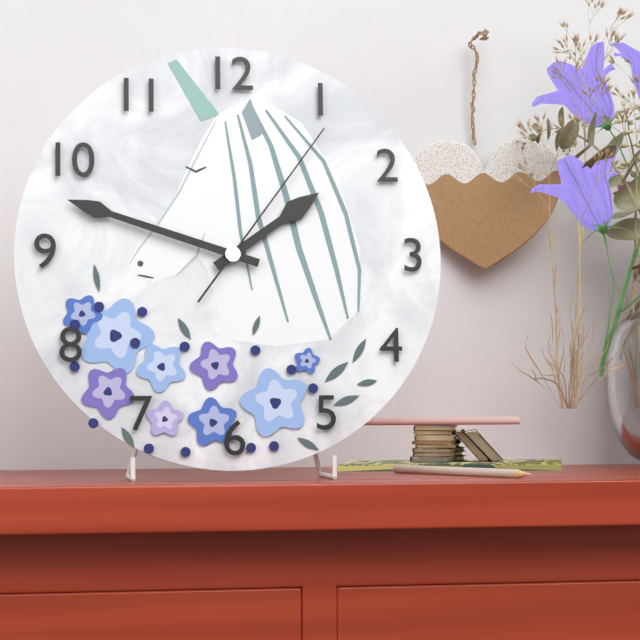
1h48m06s
